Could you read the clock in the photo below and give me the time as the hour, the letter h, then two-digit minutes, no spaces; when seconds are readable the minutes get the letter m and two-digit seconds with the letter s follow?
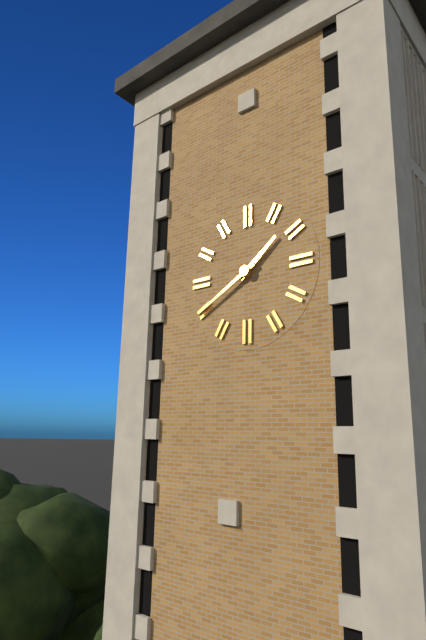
1h40
